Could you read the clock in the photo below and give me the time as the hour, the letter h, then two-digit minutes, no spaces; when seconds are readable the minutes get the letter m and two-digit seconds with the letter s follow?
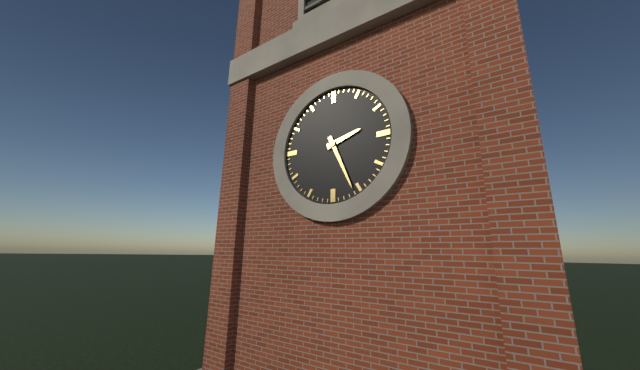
2h26
